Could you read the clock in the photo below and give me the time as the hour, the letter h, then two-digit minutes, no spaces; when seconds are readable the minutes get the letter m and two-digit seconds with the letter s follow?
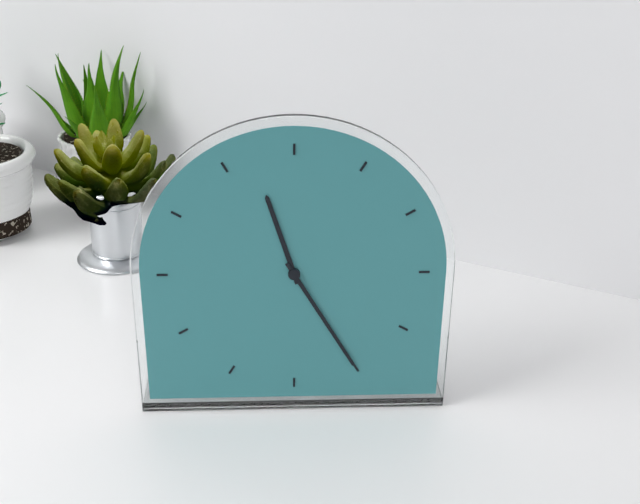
11h25
